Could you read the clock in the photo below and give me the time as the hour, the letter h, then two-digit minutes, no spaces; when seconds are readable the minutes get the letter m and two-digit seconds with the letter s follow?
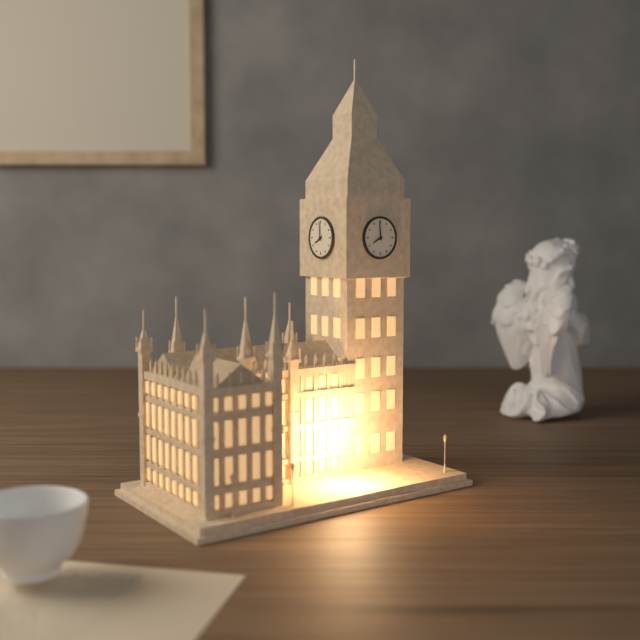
7h59
